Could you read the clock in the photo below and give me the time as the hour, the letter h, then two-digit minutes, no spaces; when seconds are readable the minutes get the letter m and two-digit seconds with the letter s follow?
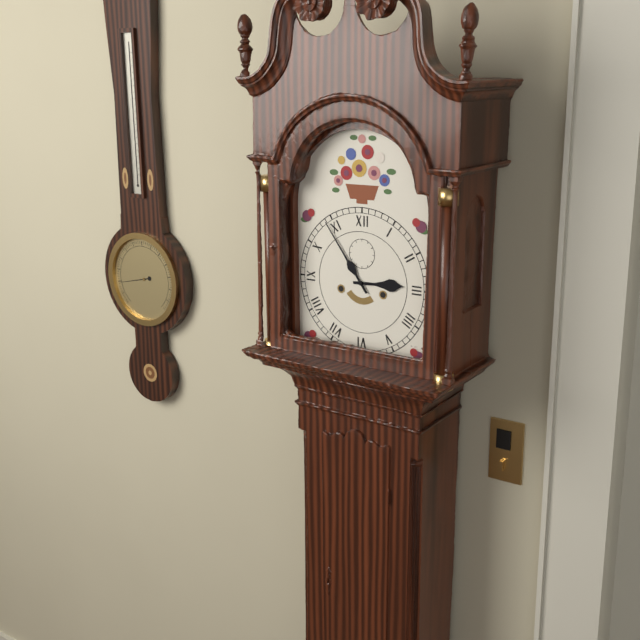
2h54
